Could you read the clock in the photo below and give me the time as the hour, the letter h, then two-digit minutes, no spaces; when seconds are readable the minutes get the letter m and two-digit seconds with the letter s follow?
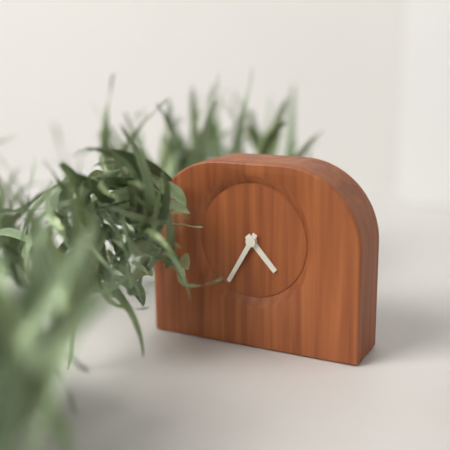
4h35
